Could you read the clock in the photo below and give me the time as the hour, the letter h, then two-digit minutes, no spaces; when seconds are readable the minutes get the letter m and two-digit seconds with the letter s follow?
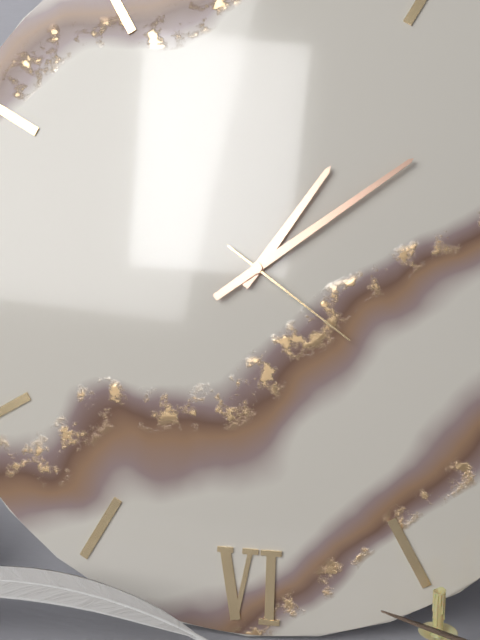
1h09m21s
